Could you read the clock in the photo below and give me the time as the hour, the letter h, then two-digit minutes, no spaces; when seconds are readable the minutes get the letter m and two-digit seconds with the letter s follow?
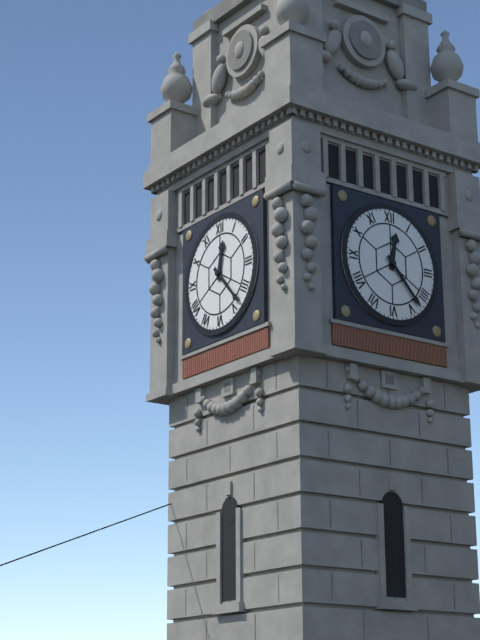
12h23
